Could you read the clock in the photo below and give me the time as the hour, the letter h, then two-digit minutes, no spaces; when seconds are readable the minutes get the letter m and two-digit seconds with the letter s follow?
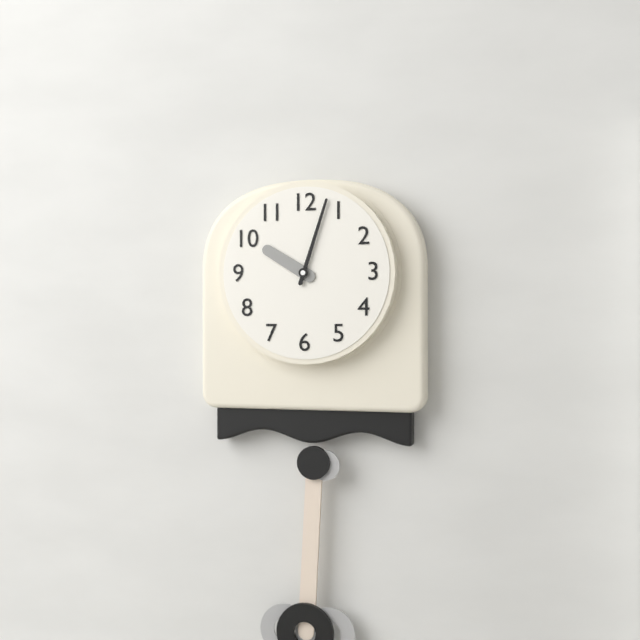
10h03
